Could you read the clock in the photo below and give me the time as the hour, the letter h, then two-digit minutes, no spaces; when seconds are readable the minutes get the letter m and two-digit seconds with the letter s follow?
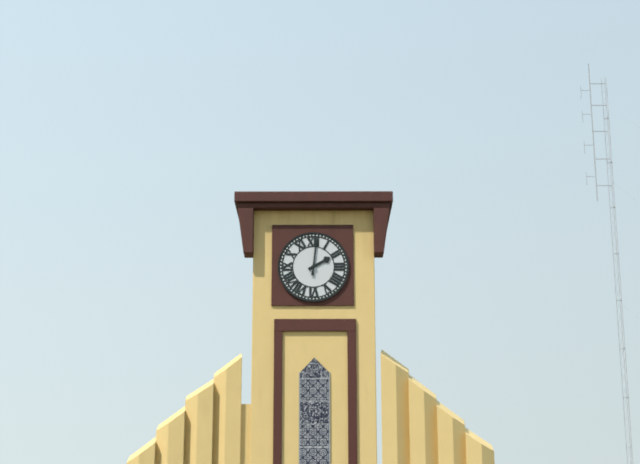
2h01
